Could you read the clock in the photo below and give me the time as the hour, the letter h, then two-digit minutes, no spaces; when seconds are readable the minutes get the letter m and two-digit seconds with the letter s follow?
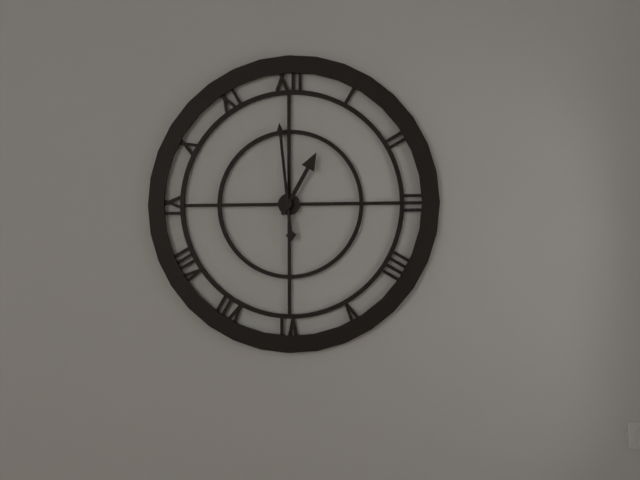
12h59
